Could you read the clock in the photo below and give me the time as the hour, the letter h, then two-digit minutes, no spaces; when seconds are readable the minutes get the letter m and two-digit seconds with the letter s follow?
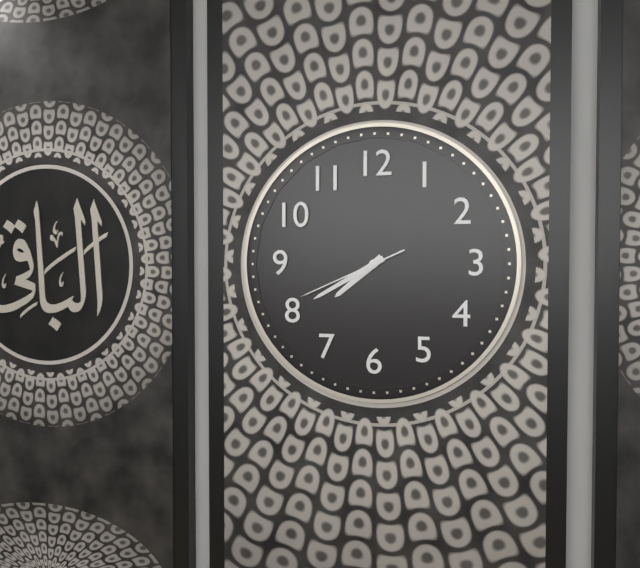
7h40m41s
